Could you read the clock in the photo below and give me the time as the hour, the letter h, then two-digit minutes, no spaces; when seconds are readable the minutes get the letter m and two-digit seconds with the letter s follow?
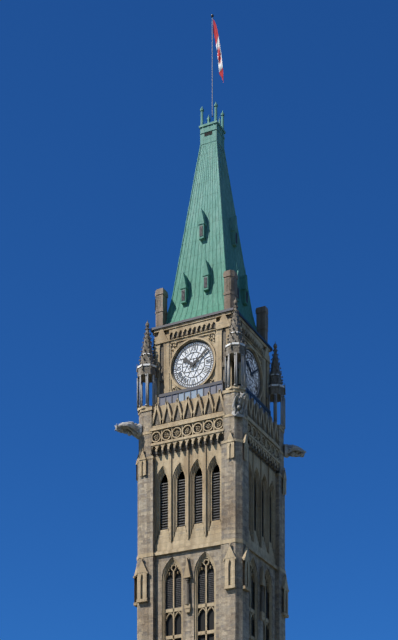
10h09
